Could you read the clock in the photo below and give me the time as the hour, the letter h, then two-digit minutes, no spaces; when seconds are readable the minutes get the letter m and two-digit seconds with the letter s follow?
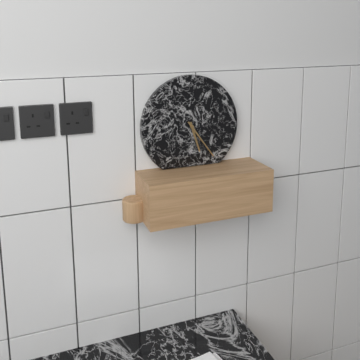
5h24
